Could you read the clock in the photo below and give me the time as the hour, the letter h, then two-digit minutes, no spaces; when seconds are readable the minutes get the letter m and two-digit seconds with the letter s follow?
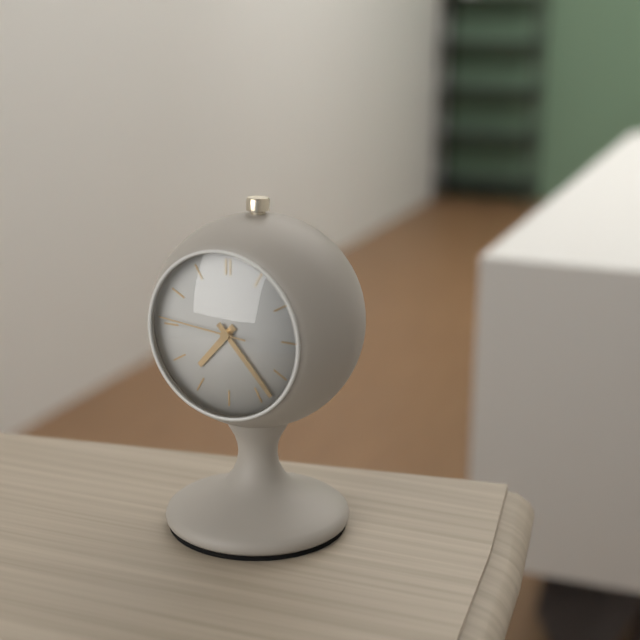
7h23m46s
